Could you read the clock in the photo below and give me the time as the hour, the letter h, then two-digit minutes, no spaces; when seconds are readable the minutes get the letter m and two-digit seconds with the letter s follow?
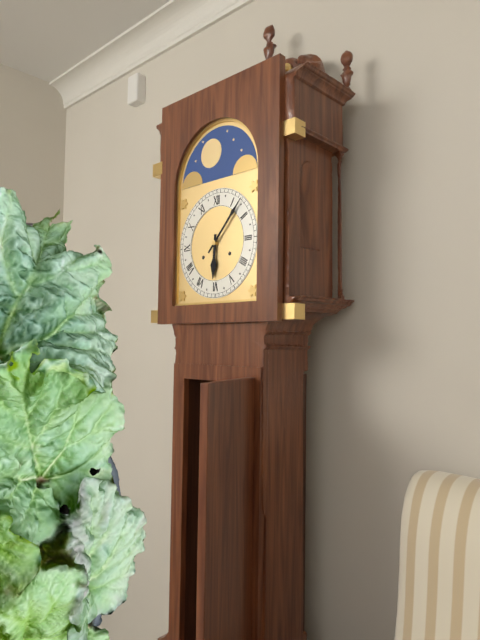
6h07
